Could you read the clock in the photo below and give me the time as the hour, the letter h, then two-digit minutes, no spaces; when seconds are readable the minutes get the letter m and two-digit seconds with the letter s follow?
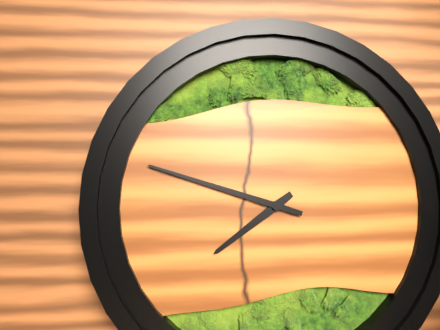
7h48
